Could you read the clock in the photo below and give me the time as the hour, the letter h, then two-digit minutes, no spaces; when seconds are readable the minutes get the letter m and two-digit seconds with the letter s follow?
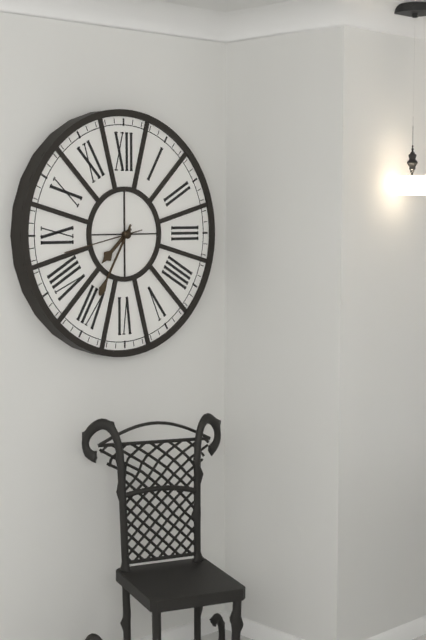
7h35m43s
